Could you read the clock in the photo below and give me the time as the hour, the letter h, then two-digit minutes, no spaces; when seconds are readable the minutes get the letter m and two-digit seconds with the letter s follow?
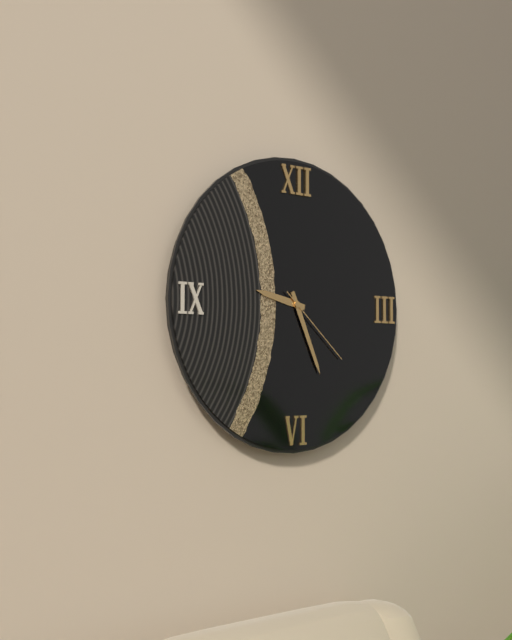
9h26m22s
